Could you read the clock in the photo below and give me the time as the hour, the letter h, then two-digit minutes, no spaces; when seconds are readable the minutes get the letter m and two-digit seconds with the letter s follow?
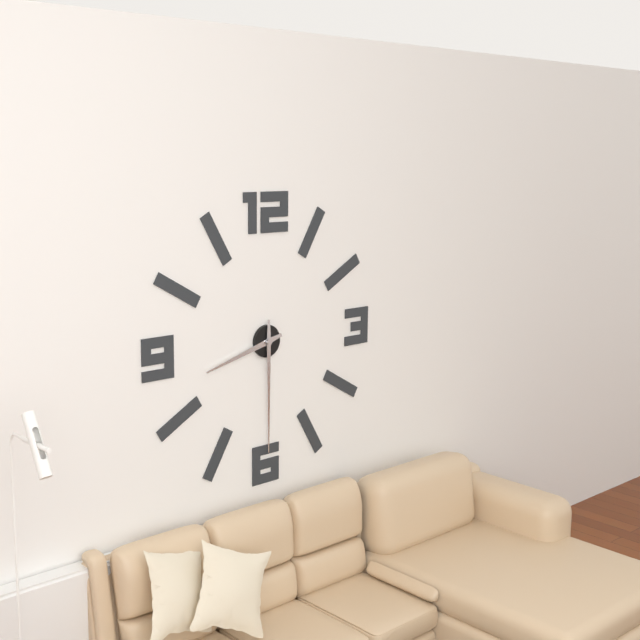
8h30
